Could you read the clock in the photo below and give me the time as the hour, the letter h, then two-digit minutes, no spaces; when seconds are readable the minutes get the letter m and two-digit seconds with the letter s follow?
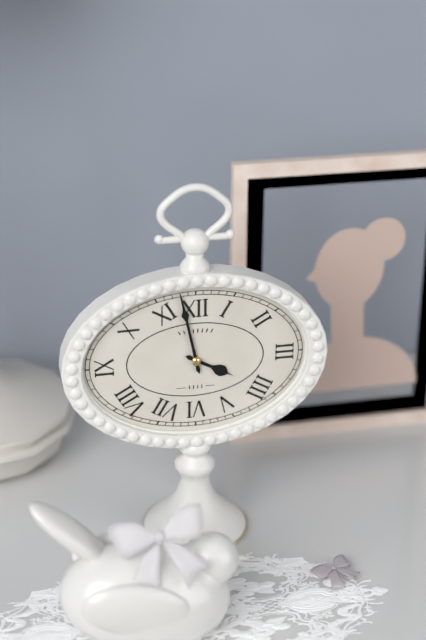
3h58
